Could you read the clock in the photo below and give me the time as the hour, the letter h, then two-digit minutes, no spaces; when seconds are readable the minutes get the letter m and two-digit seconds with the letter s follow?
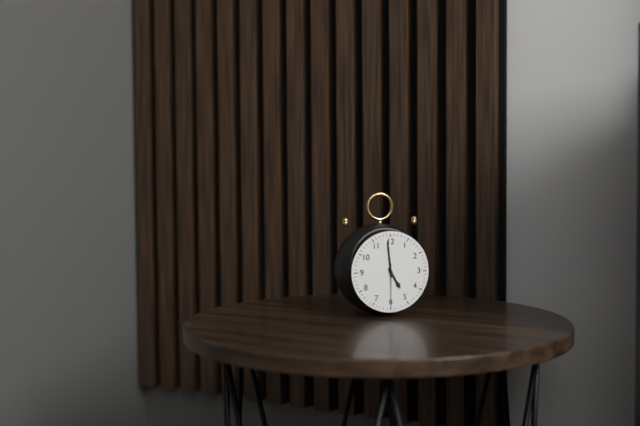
4h59
